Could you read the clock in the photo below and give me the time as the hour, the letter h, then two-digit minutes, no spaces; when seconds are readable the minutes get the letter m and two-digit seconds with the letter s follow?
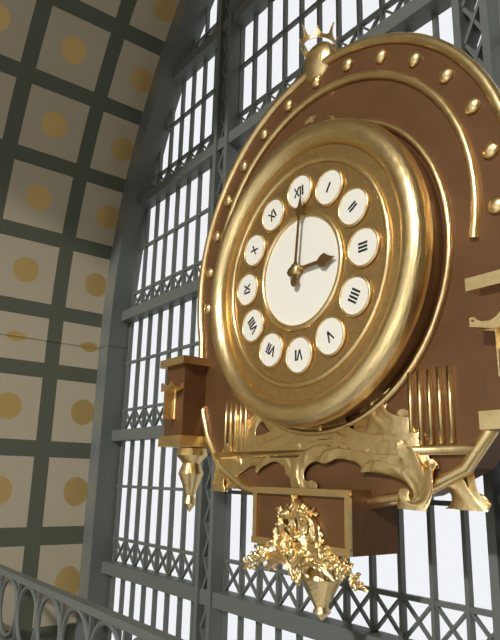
3h01
